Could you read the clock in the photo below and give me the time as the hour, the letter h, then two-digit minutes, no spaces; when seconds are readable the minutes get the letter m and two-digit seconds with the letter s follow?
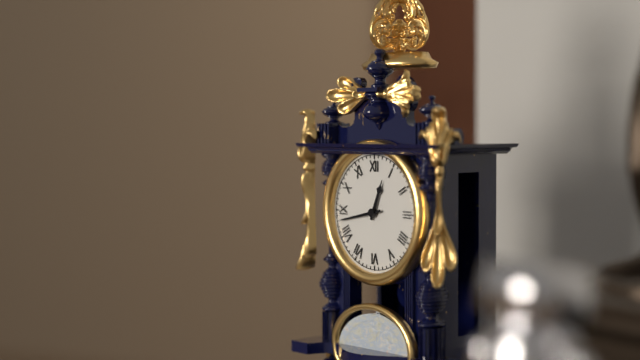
12h43
